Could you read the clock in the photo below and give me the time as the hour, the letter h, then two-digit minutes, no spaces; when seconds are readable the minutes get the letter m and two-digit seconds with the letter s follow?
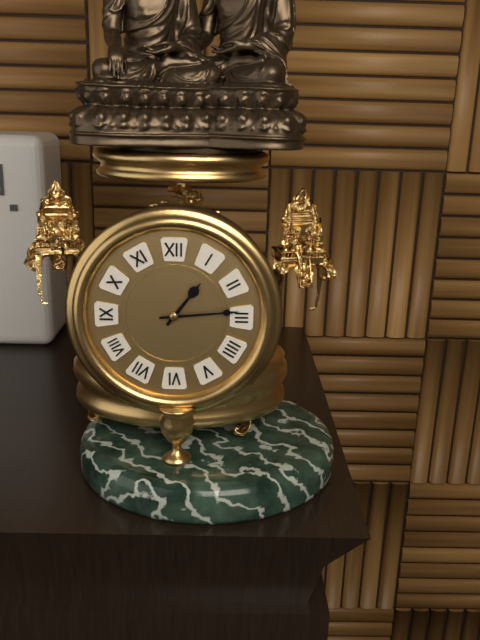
1h14
